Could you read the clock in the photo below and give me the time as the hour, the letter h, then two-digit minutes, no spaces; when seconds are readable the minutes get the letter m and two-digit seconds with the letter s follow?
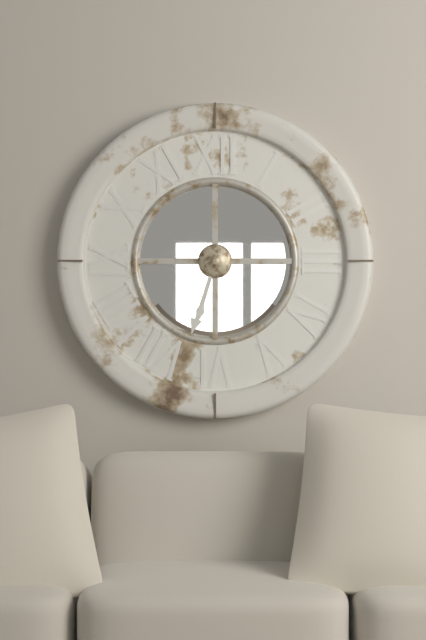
6h33
